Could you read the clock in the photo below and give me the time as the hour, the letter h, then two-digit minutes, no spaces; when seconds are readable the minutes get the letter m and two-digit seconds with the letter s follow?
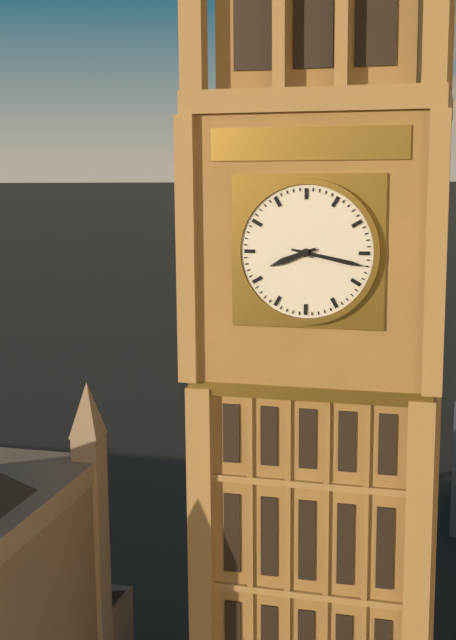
8h17
